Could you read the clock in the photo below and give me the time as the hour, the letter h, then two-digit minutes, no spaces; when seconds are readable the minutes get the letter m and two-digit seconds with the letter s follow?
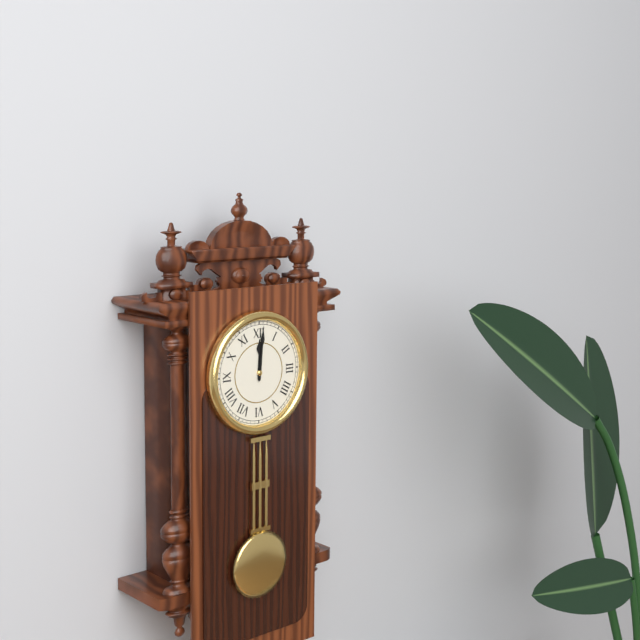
12h01
